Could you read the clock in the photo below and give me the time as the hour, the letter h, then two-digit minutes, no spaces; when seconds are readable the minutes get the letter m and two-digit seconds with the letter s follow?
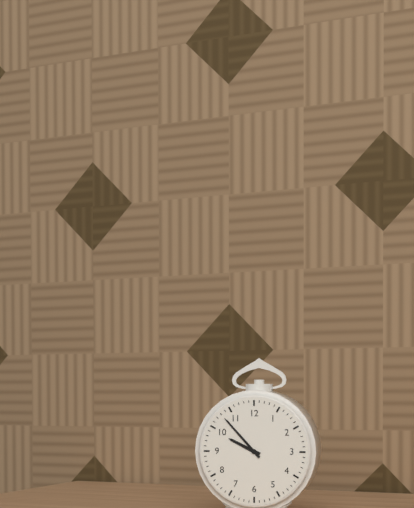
9h53
